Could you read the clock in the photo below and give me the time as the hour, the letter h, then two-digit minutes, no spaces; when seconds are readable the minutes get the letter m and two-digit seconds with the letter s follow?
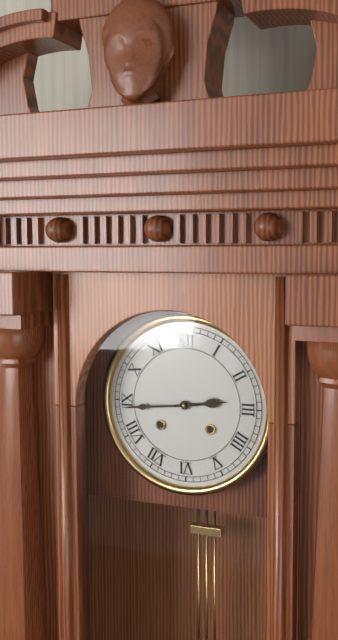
2h44
